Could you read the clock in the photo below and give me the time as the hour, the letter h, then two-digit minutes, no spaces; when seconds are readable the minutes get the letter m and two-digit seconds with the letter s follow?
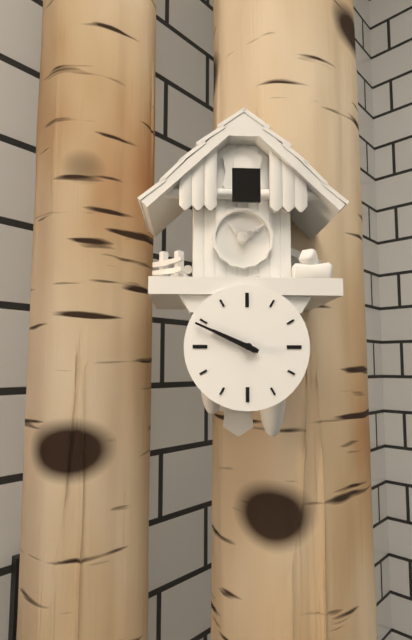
9h49
